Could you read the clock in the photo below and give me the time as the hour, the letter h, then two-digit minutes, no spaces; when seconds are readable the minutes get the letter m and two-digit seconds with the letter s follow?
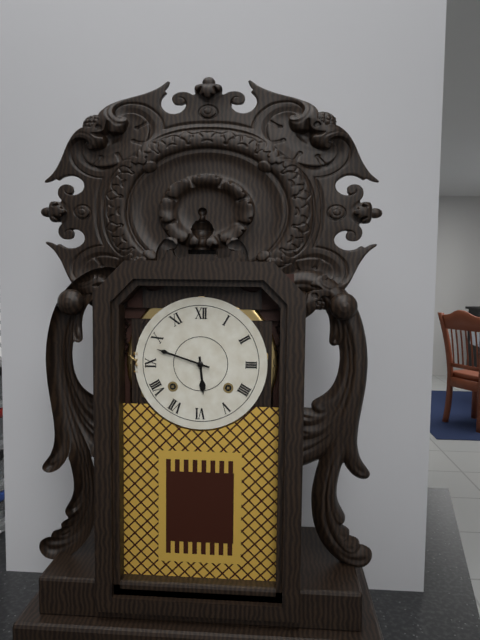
5h48
